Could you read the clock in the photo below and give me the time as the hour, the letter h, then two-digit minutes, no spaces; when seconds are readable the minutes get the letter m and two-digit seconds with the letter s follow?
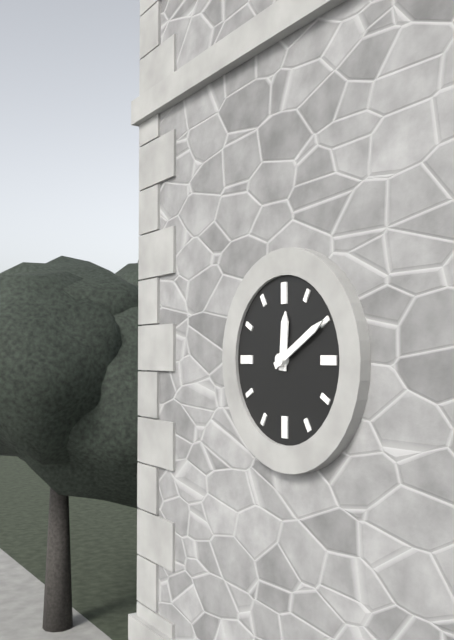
12h10
